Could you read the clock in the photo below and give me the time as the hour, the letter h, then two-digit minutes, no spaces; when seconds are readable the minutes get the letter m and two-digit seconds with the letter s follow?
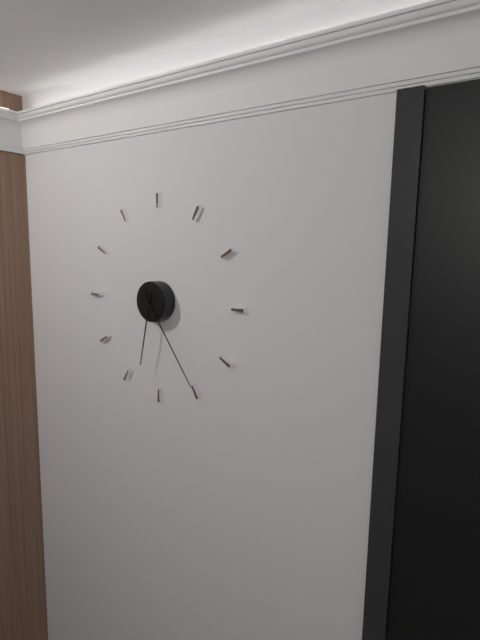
6h24
